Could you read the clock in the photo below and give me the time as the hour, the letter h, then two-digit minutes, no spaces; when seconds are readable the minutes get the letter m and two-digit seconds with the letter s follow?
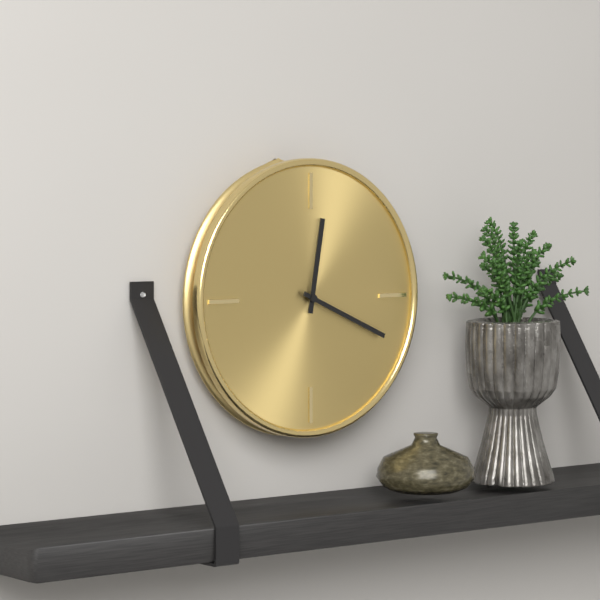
12h19
